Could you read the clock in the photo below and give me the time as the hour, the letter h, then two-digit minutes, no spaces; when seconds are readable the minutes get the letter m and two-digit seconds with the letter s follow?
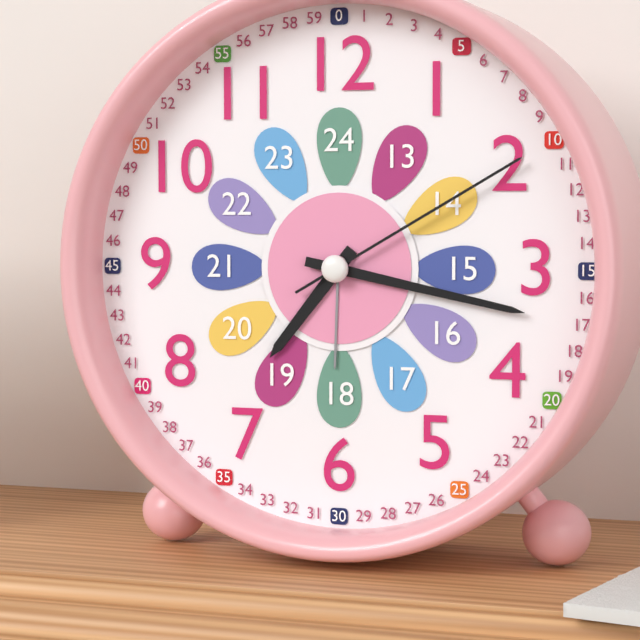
7h17m10s
